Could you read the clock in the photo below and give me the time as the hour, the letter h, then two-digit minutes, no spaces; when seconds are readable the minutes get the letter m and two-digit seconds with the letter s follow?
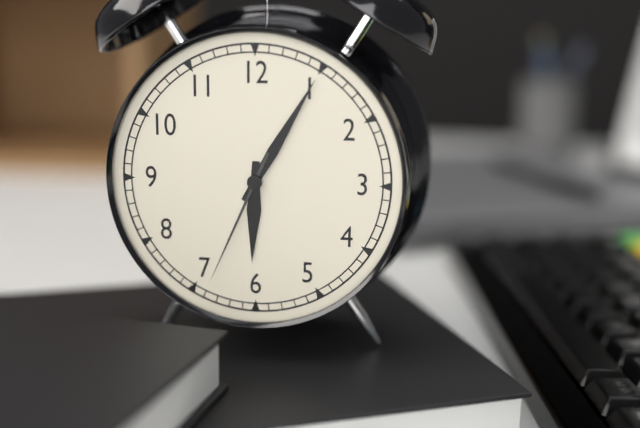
6h05m34s
